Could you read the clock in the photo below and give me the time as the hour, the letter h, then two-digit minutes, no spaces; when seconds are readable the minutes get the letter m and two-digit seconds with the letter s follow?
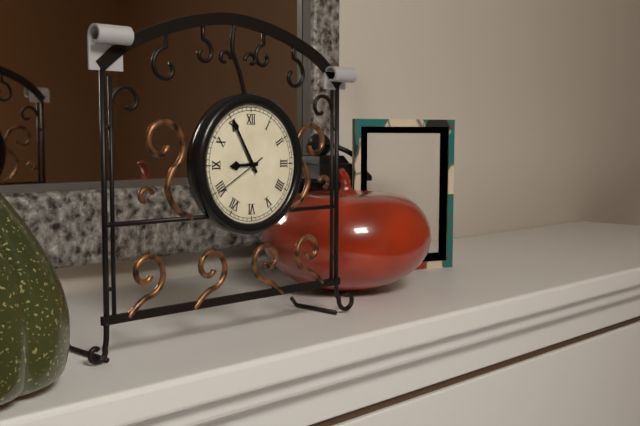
8h55
